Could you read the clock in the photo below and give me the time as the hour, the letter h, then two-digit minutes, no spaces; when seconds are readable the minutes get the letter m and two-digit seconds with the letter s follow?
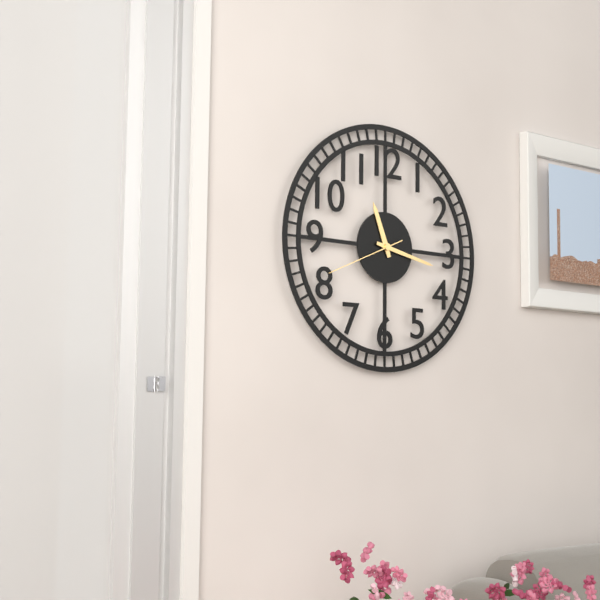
11h17m41s
